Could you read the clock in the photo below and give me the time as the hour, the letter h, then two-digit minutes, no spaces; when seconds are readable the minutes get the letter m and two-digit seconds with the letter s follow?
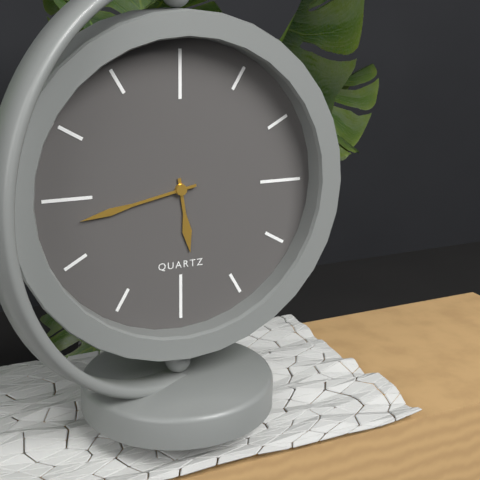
5h43
